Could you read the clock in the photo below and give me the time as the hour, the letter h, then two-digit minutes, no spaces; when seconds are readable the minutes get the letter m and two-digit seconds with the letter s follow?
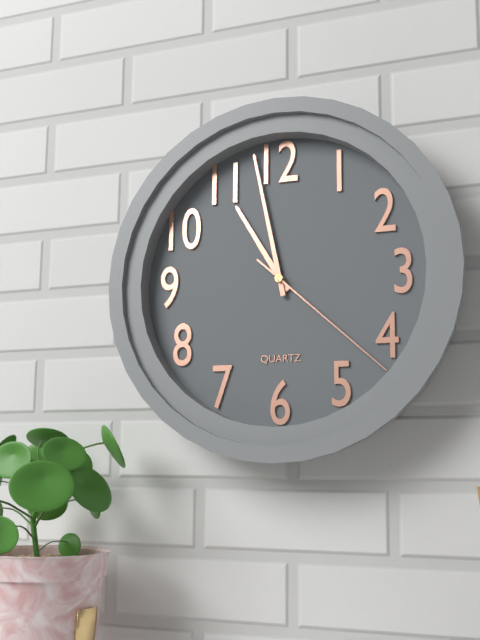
10h58m22s
